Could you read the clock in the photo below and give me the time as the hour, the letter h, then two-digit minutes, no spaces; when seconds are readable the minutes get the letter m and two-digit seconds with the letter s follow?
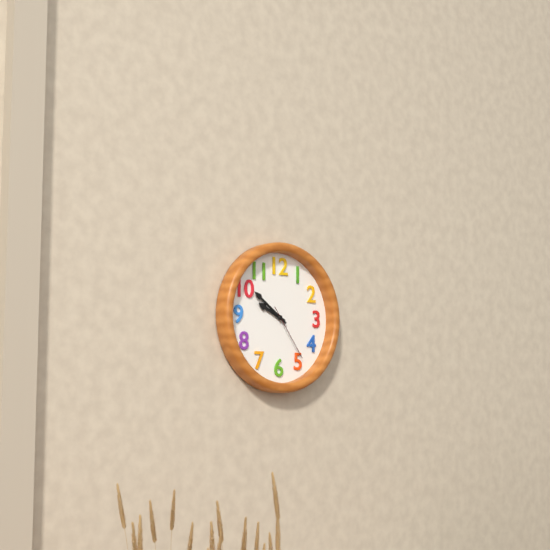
9h51m24s
